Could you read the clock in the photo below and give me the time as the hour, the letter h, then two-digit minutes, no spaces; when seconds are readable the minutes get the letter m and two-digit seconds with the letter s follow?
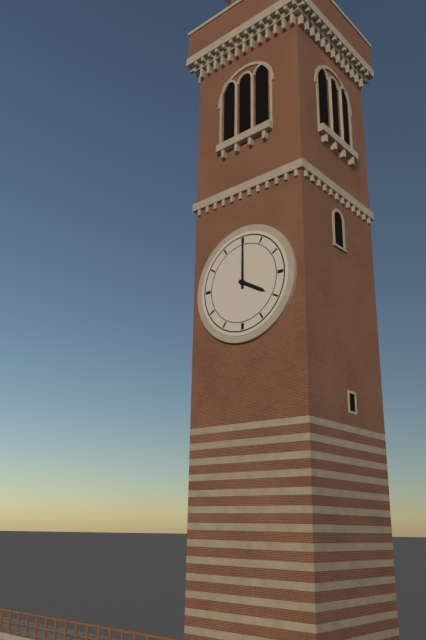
4h00
